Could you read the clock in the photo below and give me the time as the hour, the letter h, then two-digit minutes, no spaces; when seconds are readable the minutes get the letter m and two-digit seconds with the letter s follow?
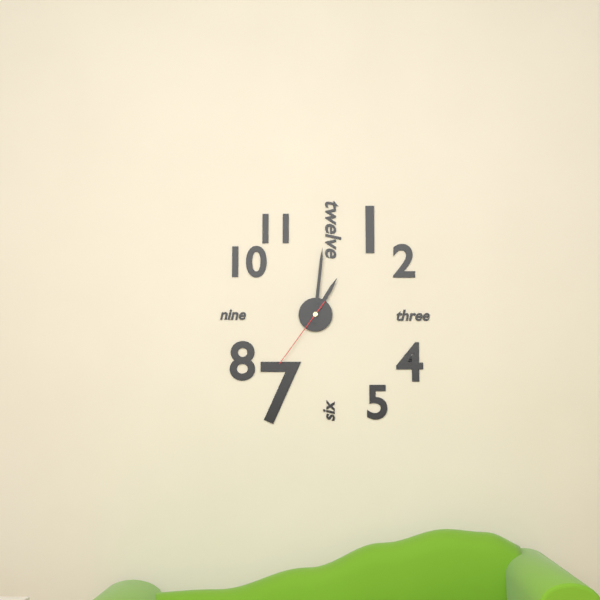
1h01m36s
